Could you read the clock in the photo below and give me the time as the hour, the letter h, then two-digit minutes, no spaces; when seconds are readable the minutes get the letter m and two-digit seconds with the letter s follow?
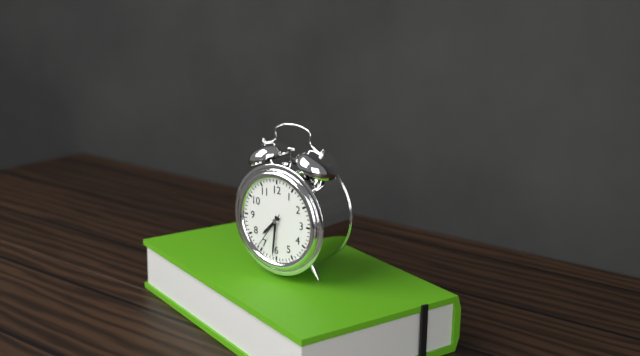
7h31
